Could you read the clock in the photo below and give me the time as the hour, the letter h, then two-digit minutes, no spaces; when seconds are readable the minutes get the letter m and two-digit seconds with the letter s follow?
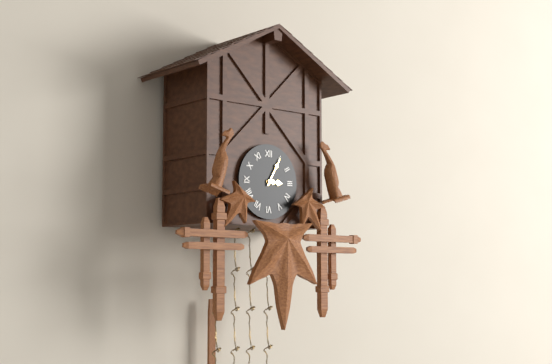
3h05
